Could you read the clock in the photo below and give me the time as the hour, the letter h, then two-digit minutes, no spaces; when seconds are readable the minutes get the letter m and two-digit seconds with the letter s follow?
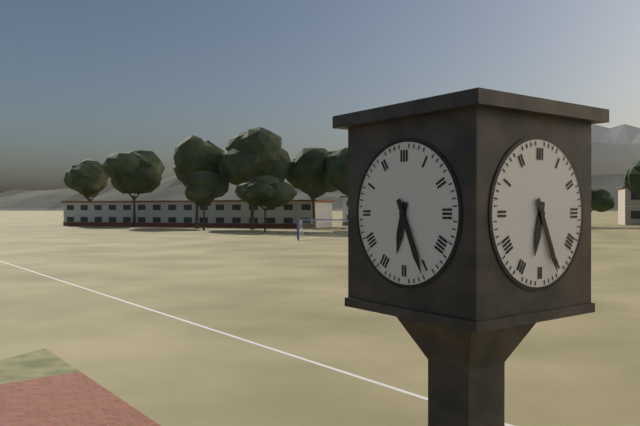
6h26
